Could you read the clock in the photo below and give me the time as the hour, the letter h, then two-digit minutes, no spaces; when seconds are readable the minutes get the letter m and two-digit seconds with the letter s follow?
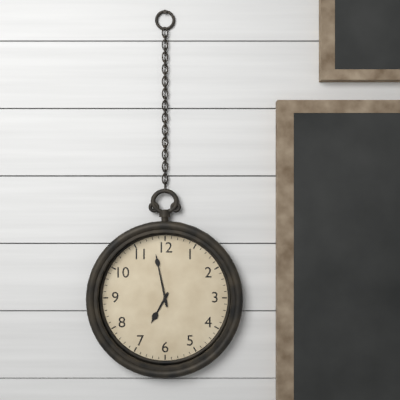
6h58
